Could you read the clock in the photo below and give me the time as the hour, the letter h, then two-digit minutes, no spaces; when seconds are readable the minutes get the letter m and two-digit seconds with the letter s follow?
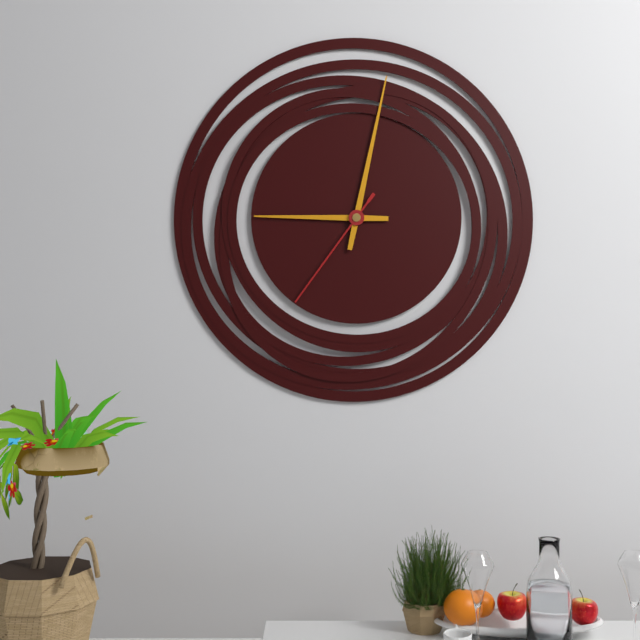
9h02m36s
